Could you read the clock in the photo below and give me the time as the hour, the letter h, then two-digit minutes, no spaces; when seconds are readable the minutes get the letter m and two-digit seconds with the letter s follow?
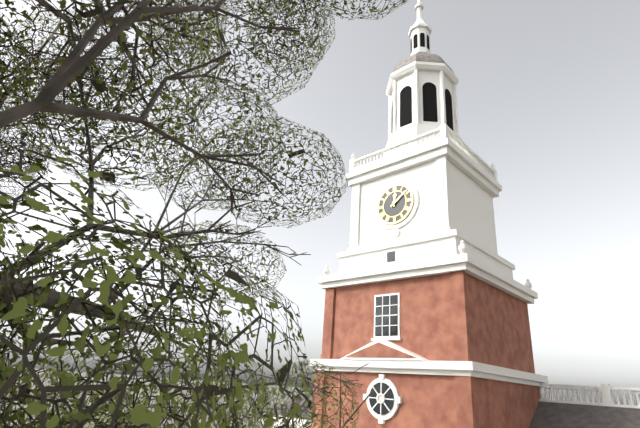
12h09
